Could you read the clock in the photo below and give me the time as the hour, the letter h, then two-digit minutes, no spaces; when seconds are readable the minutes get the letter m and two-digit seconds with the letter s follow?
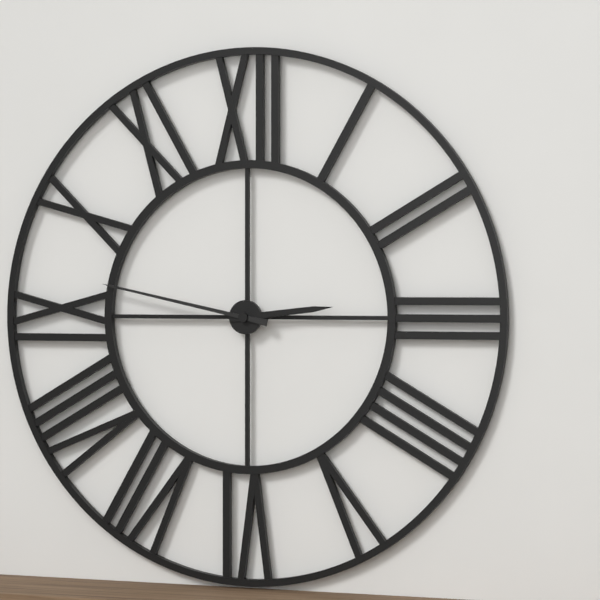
2h47
